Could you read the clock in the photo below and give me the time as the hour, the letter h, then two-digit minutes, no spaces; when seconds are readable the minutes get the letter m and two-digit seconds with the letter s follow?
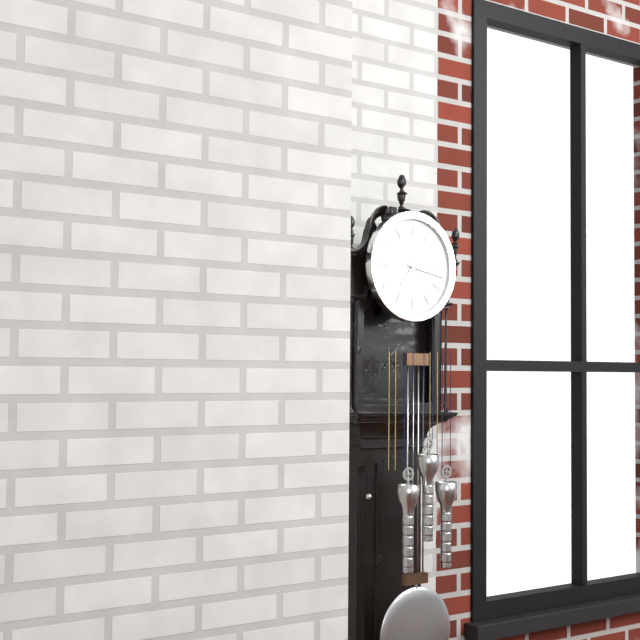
7h17
